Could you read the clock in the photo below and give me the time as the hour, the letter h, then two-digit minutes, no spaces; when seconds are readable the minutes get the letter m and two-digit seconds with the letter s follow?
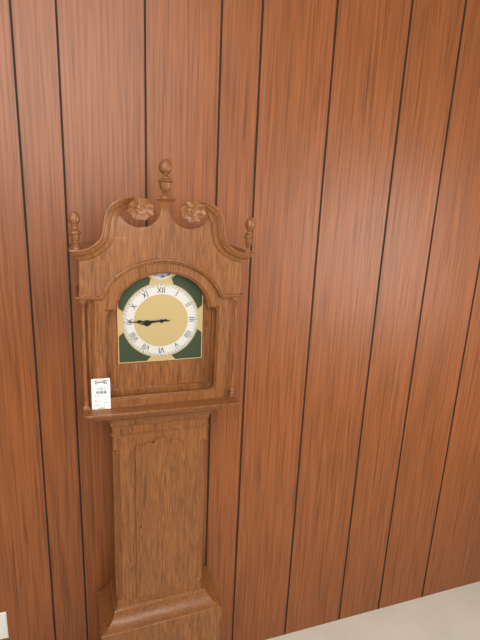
8h45
